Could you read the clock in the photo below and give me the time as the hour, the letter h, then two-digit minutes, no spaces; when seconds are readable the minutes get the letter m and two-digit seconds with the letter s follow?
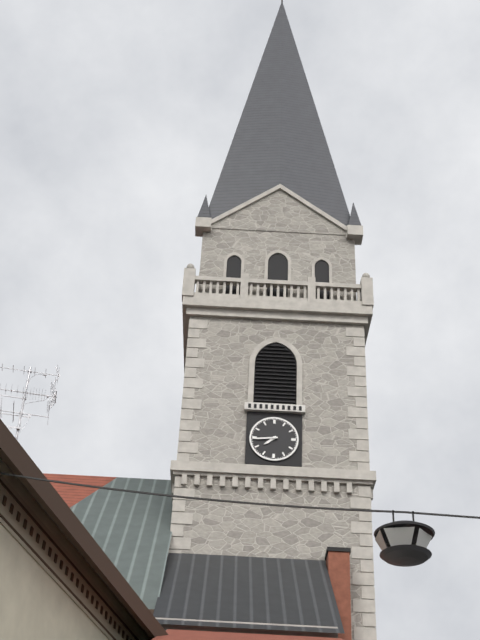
7h44
